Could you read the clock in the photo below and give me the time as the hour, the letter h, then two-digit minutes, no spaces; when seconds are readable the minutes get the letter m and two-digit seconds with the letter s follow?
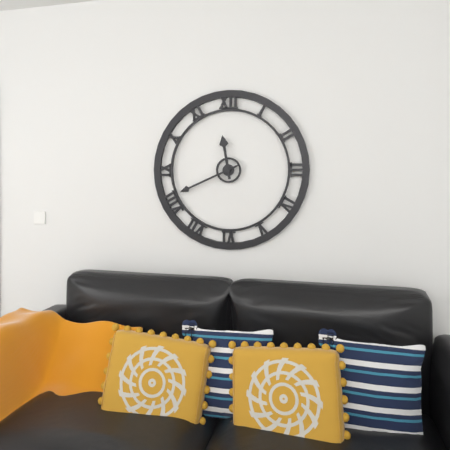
11h41
